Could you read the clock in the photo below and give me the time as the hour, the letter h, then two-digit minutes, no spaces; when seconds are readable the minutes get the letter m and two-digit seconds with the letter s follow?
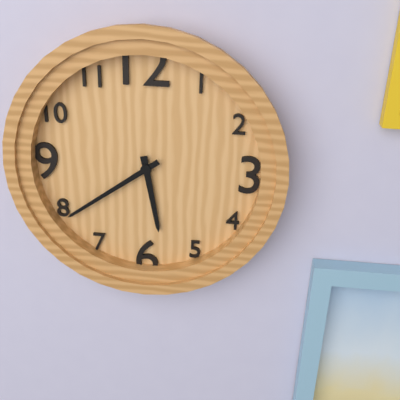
5h39
